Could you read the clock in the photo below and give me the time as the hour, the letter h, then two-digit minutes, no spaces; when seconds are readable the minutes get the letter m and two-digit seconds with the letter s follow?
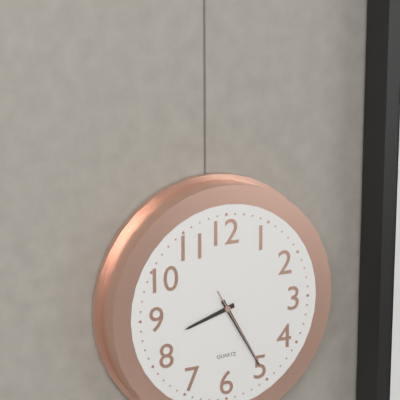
8h25m25s
